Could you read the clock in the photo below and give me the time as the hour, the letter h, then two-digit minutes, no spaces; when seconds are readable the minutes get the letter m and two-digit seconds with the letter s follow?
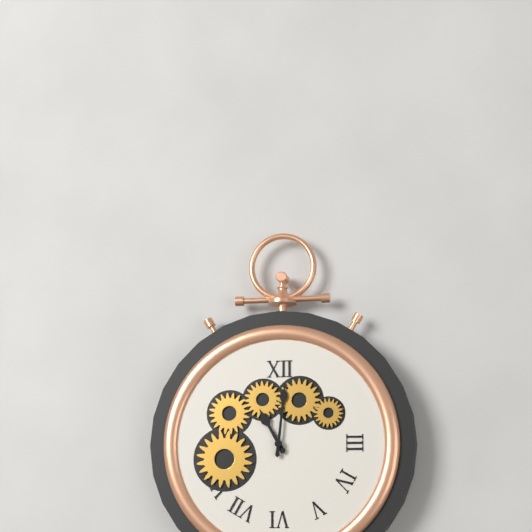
11h01
